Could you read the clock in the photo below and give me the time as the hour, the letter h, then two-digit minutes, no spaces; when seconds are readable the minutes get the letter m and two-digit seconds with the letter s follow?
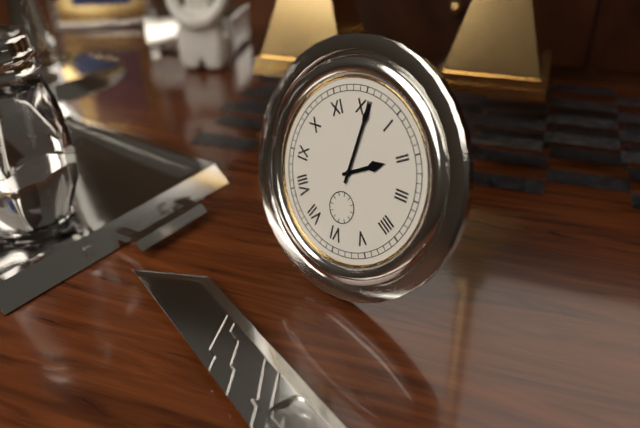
2h01
